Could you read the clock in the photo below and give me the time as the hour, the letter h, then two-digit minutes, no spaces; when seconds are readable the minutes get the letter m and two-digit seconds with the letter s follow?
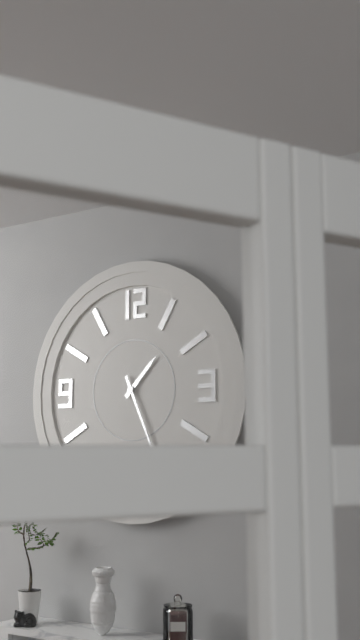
1h26
